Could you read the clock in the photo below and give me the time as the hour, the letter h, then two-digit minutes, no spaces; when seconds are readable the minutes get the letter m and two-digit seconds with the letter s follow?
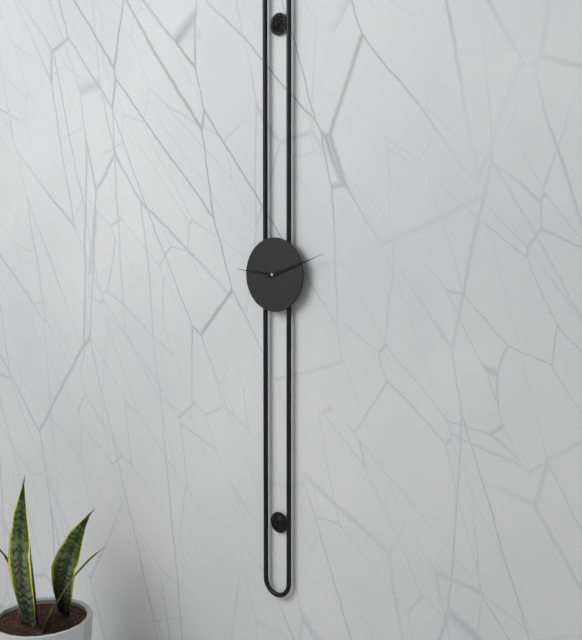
9h12
